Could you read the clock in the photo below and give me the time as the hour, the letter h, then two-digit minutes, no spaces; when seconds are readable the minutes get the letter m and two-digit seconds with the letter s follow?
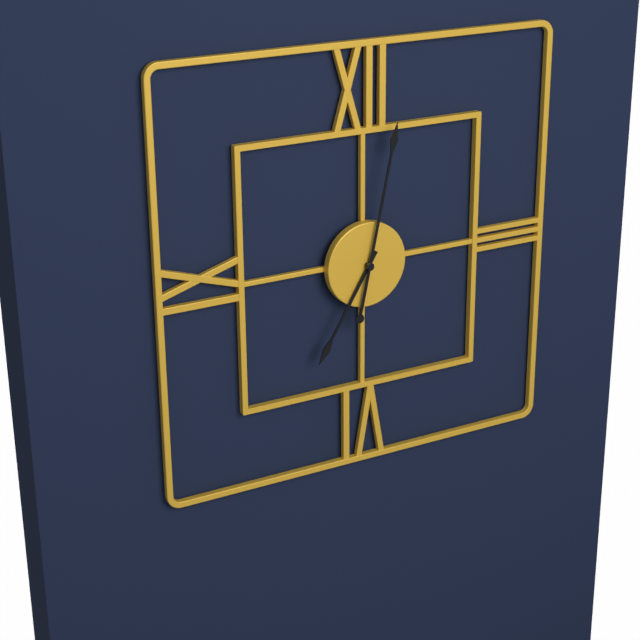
7h02
